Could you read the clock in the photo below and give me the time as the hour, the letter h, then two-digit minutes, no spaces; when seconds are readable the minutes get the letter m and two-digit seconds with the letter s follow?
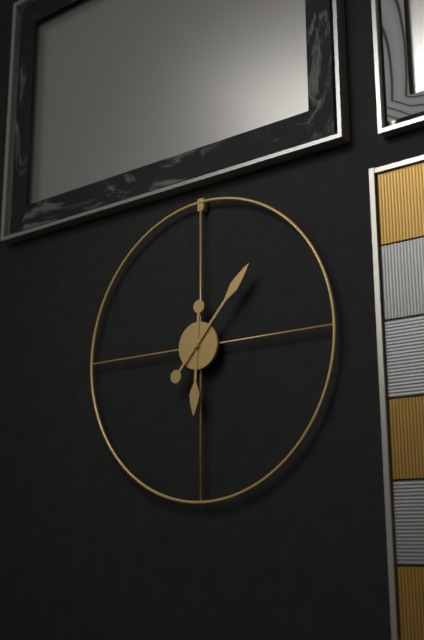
6h07
